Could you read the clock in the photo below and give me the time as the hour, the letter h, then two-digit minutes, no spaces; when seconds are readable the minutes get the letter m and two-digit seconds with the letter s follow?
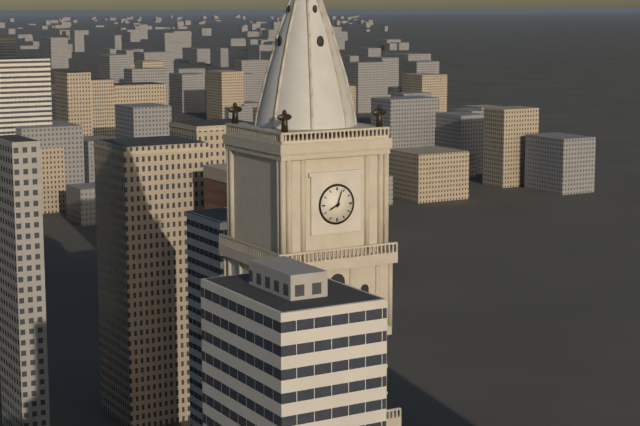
8h03
